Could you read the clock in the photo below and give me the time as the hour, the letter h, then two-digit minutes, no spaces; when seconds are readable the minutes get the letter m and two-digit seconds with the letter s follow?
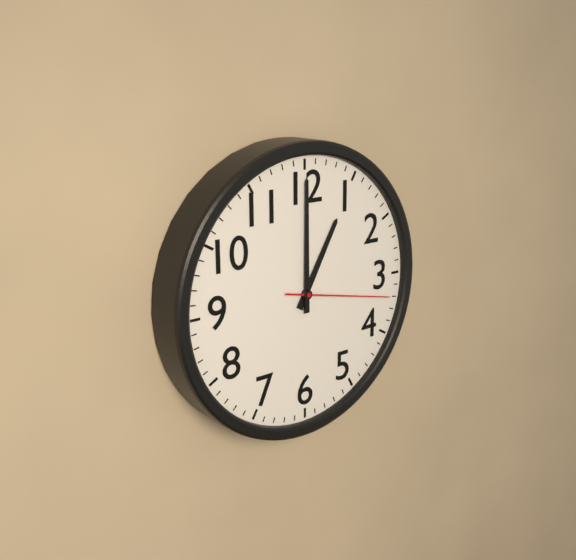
1h00m17s
